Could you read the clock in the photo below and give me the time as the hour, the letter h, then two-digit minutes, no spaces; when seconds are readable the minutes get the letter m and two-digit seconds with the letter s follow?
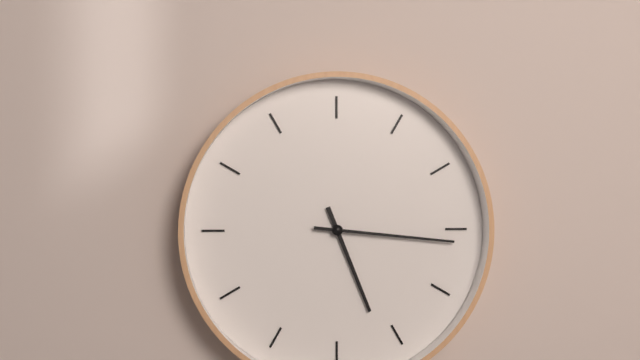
5h16
